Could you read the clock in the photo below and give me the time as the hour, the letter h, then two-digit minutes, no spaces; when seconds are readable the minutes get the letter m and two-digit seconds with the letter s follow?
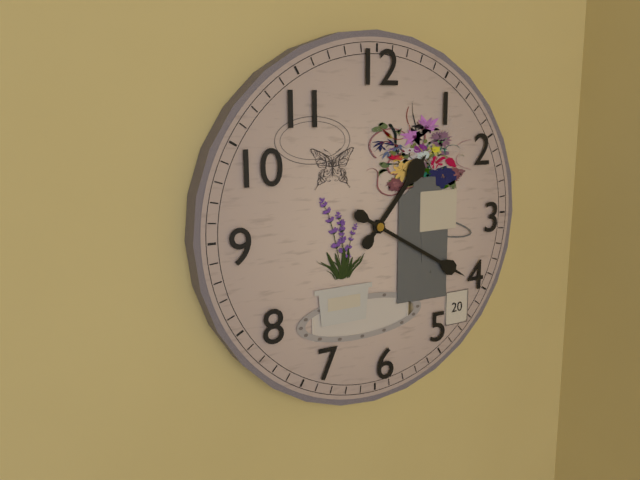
1h20
